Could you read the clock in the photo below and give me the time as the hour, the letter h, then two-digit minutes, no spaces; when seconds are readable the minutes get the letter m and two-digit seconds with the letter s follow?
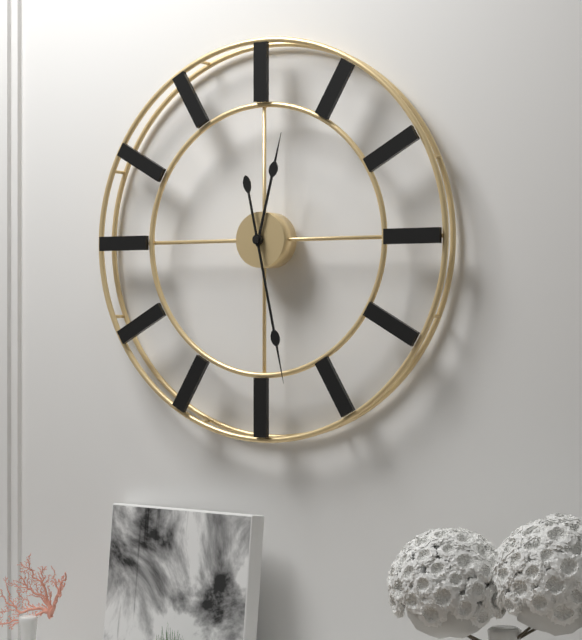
12h28
